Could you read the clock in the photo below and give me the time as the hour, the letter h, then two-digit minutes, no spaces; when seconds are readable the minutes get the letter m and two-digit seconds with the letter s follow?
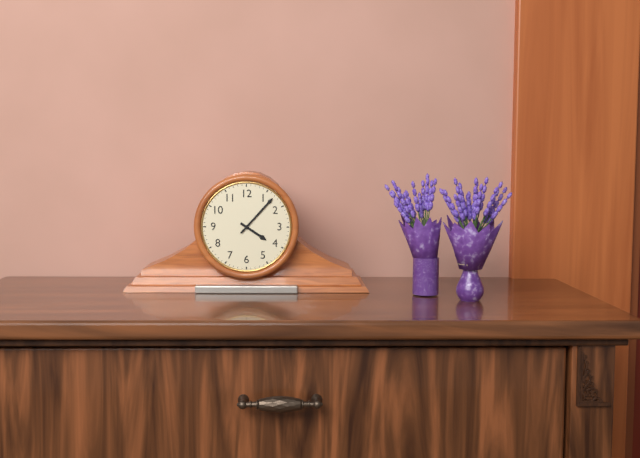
4h07
